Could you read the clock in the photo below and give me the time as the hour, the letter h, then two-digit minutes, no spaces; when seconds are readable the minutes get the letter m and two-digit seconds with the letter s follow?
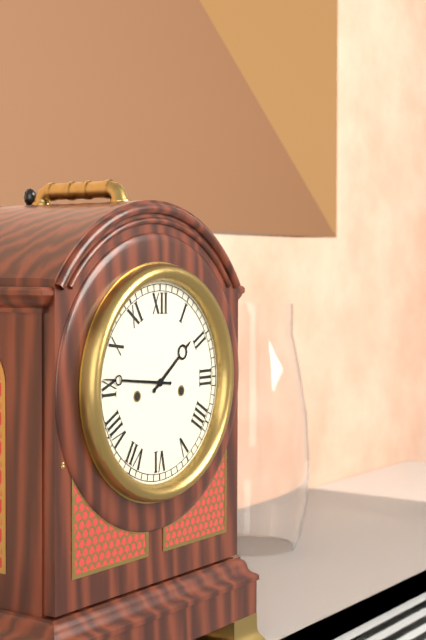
1h46
